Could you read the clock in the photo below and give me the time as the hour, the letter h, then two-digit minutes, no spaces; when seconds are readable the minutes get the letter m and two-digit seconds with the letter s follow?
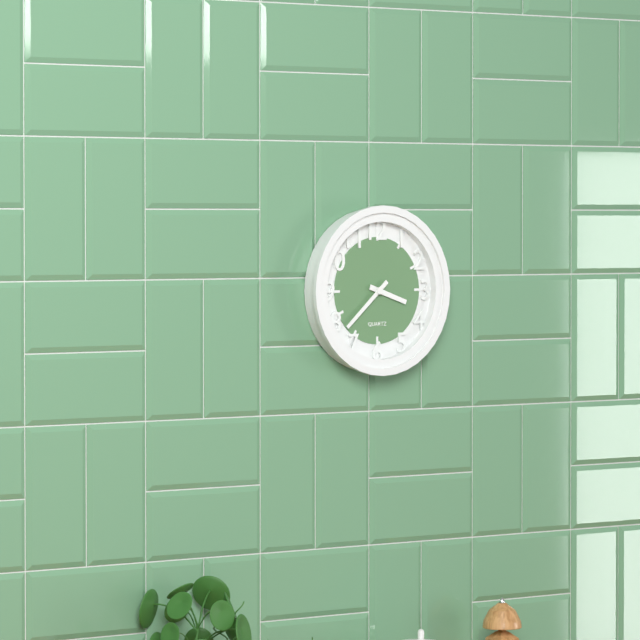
3h38
